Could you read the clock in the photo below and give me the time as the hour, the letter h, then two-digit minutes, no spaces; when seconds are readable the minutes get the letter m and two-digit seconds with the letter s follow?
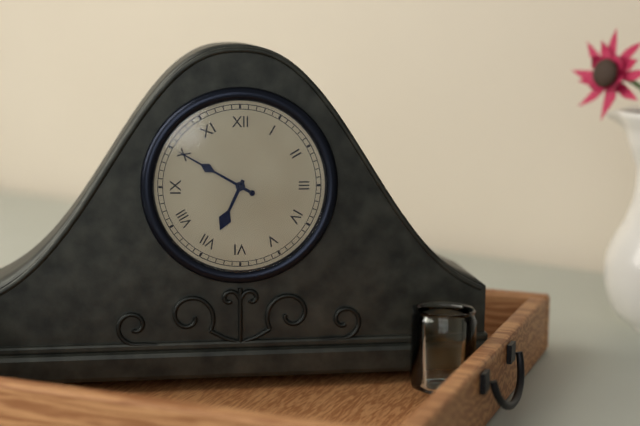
6h50
